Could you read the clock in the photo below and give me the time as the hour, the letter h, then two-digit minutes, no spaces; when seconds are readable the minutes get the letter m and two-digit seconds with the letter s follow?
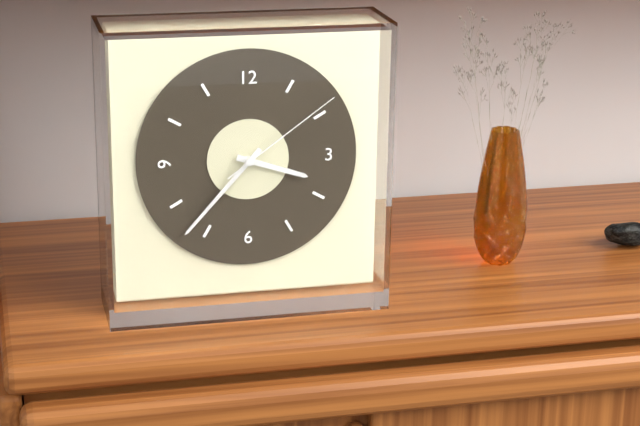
3h37m09s
